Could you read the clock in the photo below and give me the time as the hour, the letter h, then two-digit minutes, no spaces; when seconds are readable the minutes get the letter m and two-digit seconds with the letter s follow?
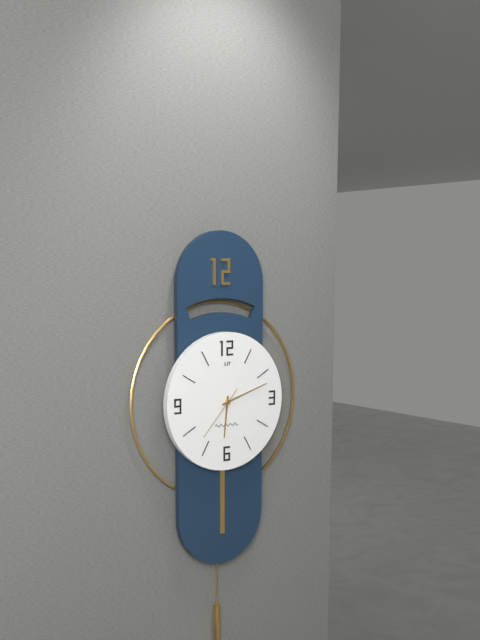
6h12
